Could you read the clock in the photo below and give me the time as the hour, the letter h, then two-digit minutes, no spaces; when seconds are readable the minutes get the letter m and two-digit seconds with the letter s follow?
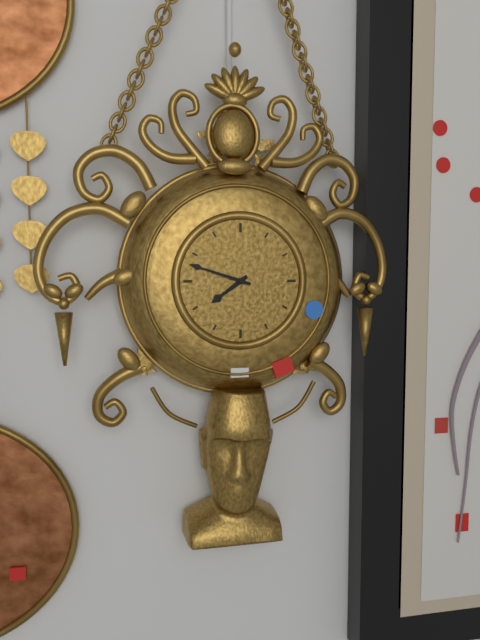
7h48
